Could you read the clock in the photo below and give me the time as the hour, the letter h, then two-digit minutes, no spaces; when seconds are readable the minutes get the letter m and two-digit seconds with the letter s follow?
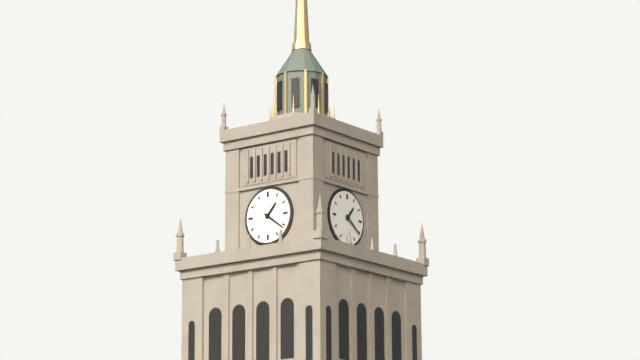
1h21
